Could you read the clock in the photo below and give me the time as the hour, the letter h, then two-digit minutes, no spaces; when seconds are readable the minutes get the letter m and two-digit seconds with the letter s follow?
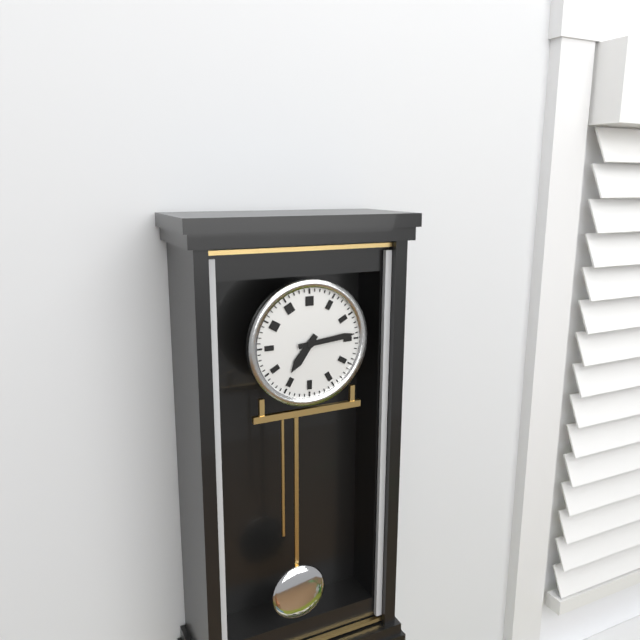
7h14
